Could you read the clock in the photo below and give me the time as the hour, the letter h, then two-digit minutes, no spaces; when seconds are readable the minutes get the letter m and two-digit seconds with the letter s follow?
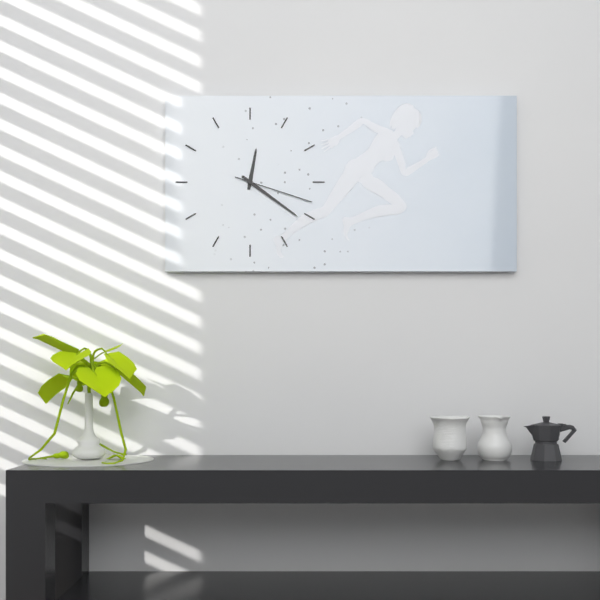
12h21m18s
